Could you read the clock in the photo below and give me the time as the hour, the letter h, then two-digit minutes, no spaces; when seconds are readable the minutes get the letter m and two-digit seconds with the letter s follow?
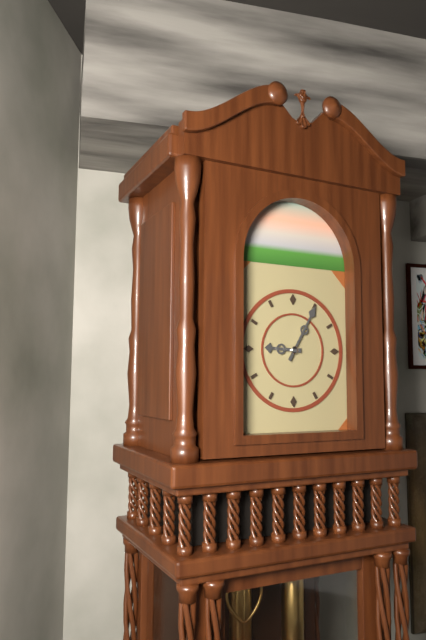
9h05
